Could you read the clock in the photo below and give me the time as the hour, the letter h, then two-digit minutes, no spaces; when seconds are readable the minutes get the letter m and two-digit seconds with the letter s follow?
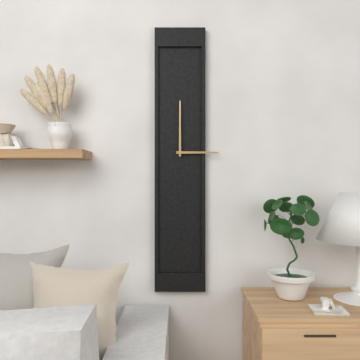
3h00
